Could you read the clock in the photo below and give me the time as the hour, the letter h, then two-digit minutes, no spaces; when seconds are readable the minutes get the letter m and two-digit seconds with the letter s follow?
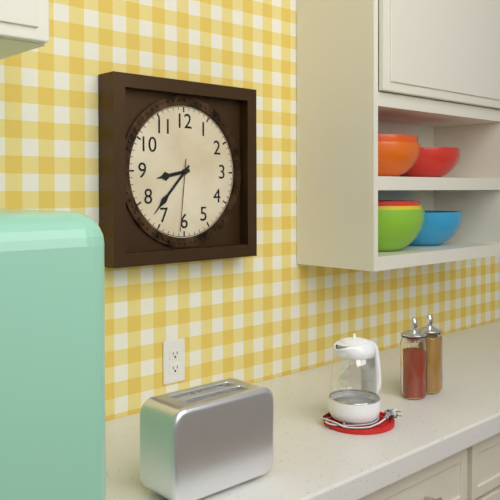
8h37m31s
